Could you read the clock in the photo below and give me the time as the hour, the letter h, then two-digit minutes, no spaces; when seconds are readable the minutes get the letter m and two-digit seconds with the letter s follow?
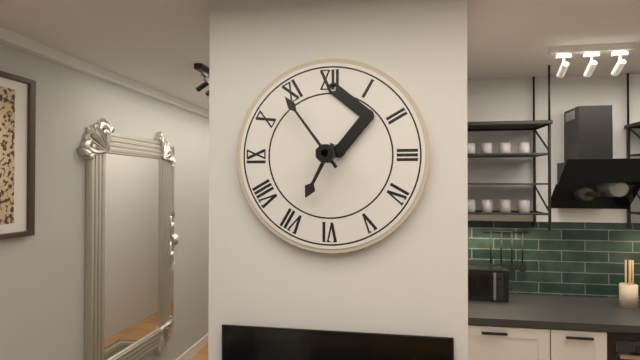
6h54
